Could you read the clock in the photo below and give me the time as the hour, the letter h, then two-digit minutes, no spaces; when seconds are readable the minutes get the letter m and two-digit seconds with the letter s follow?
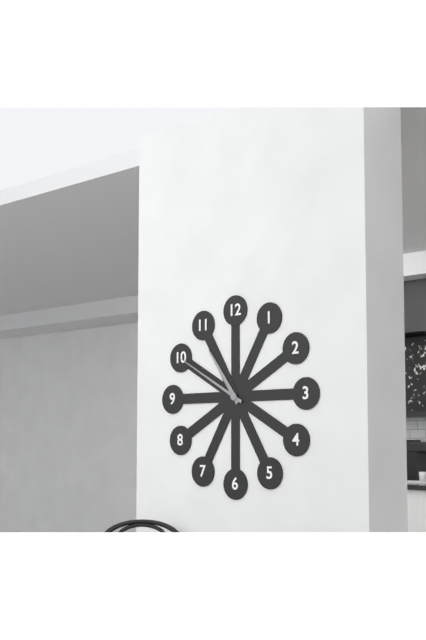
10h50
